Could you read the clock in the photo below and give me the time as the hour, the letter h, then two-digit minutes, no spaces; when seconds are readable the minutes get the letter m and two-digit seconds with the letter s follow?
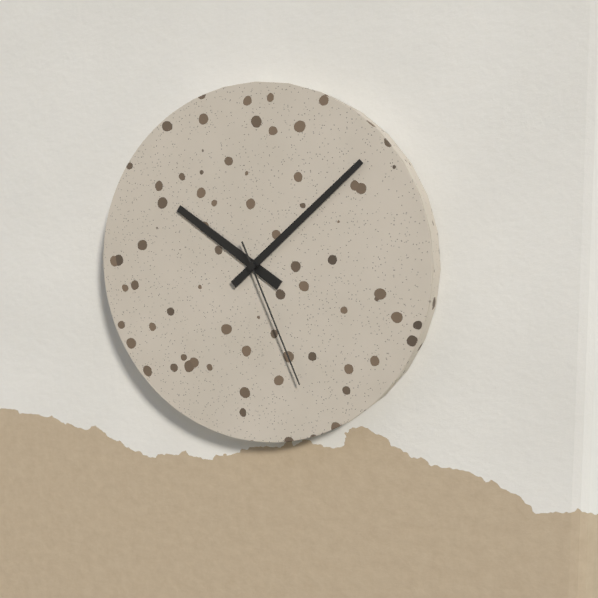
10h08m26s
